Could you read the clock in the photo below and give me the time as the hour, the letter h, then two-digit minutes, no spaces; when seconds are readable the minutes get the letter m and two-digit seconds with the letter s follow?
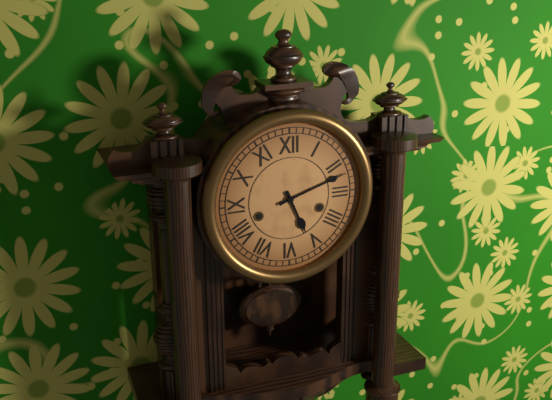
5h12
